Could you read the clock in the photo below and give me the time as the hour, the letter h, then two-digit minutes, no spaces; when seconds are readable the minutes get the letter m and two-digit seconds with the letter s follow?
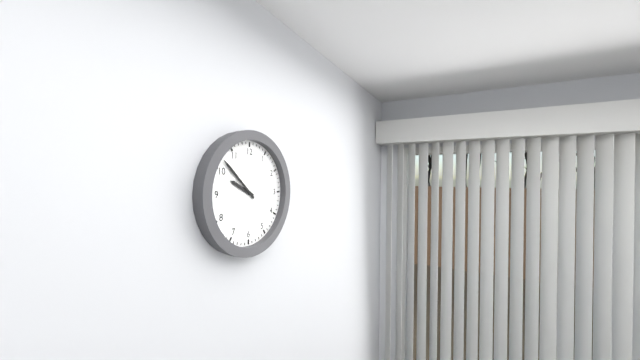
9h52
